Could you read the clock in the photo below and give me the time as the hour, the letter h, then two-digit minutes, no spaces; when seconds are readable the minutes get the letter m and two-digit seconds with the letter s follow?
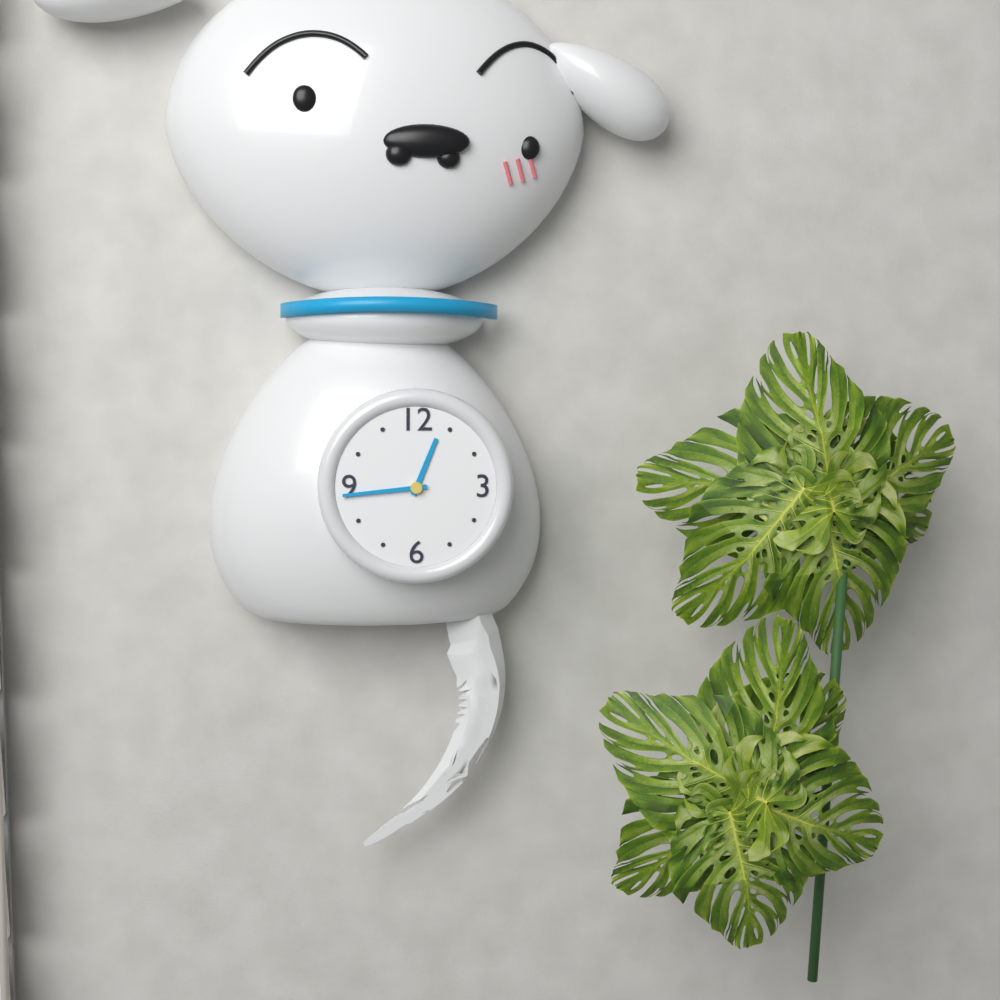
12h44
